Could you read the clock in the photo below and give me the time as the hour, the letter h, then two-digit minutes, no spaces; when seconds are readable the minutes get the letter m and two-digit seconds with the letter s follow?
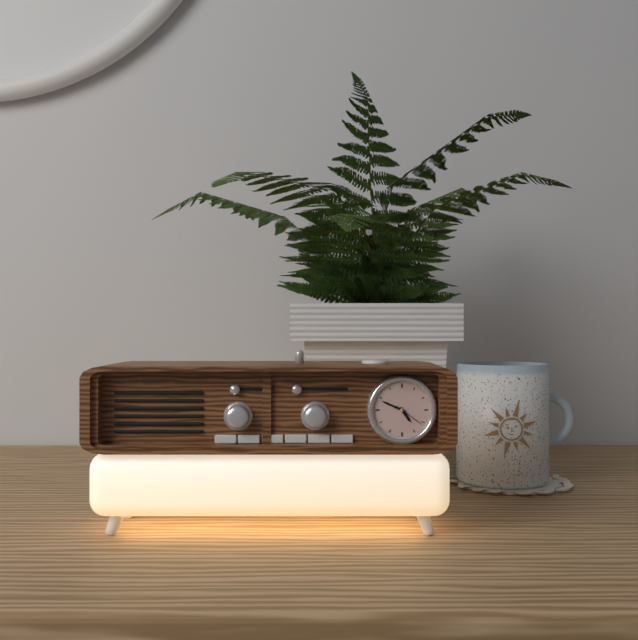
4h49
